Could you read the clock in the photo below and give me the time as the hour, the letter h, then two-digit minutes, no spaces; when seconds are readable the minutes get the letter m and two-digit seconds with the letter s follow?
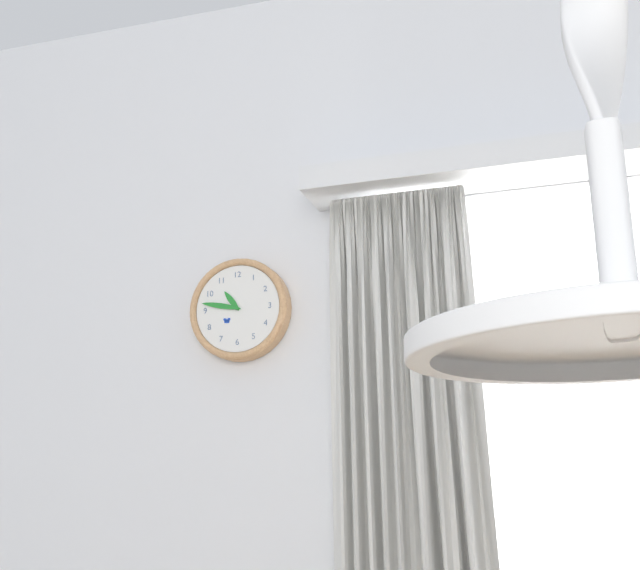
10h47
